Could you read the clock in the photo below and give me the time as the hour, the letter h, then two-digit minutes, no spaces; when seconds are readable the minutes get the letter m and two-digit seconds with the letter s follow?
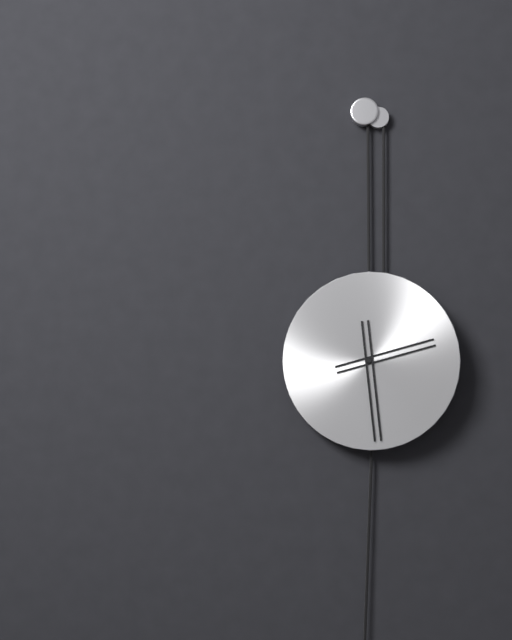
2h29
